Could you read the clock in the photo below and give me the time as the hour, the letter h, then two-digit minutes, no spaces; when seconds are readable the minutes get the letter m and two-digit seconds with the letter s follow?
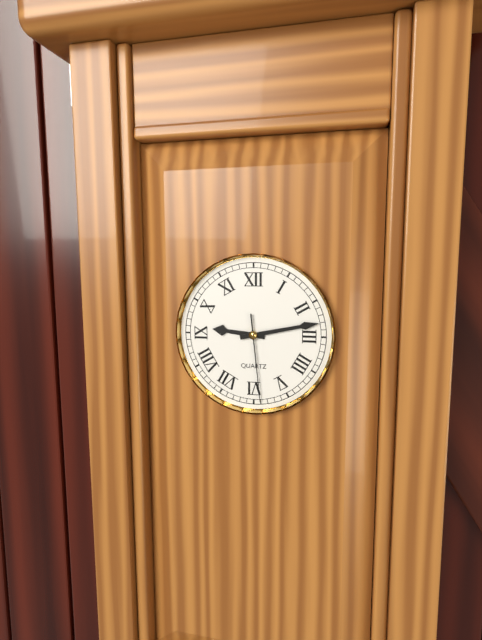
9h13m29s
